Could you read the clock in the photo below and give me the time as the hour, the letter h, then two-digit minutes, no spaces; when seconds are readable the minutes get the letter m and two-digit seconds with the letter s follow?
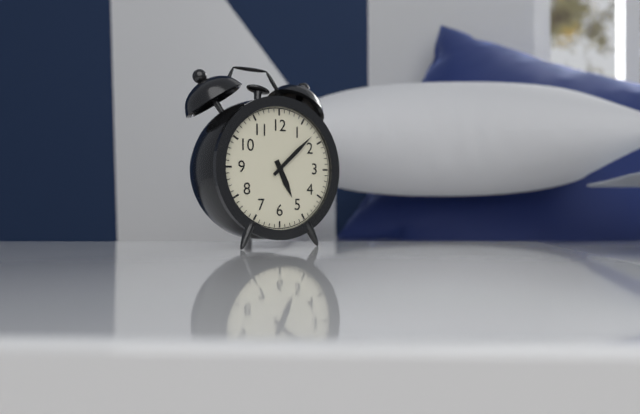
5h08
